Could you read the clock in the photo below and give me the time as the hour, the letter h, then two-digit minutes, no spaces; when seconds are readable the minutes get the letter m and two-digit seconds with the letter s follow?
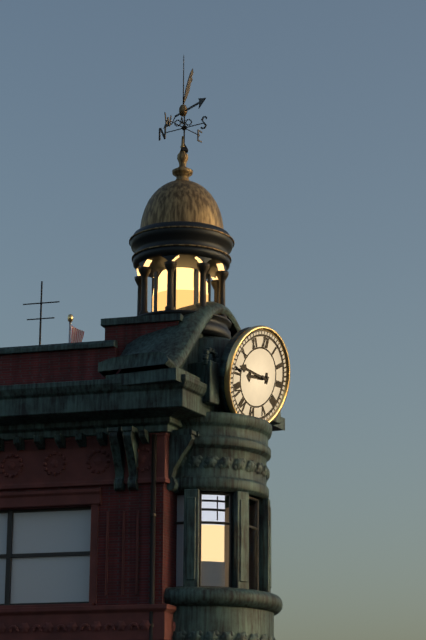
8h46
